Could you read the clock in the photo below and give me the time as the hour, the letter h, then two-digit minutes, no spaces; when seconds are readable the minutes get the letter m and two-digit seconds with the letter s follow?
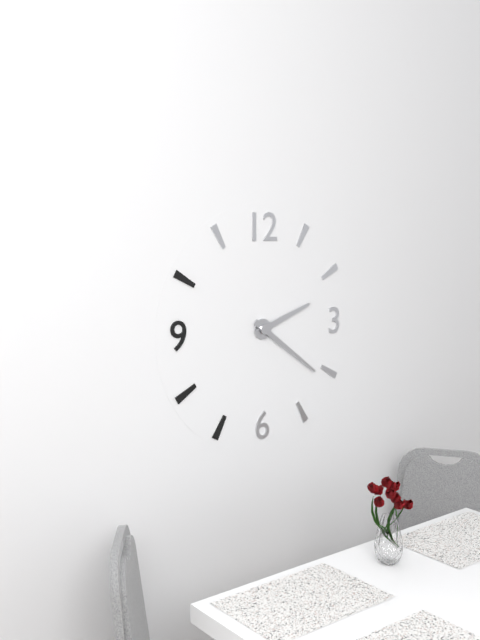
2h21
